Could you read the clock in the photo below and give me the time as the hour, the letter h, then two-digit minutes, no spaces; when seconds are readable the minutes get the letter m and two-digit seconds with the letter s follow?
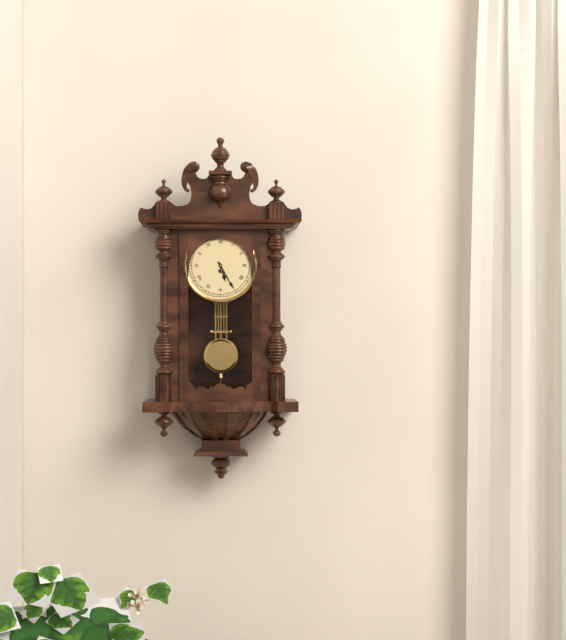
5h25
